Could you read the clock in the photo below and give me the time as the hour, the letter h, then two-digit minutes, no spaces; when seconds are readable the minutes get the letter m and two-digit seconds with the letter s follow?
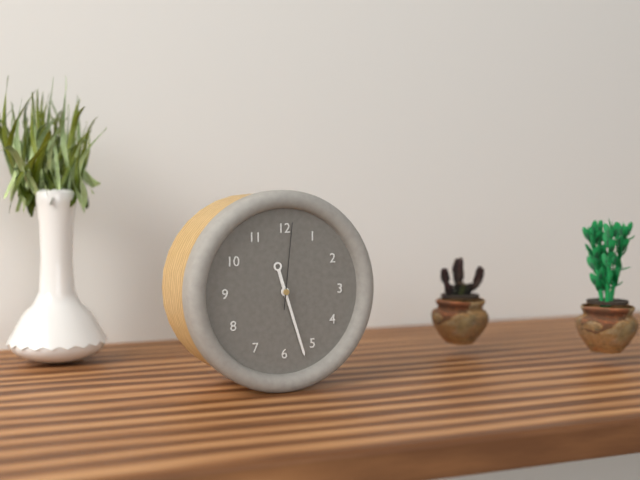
11h27m01s
